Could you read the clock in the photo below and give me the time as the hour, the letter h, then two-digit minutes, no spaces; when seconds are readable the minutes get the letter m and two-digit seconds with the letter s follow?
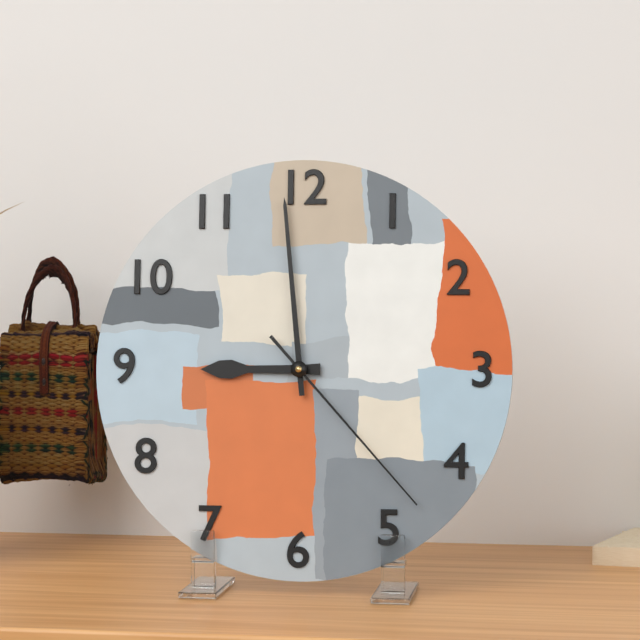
8h59m23s
